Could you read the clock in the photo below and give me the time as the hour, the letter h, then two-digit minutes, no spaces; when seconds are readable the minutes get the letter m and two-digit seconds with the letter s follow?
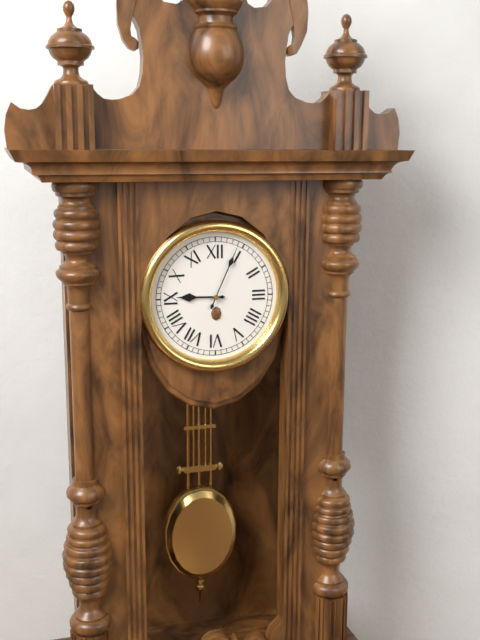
9h04
